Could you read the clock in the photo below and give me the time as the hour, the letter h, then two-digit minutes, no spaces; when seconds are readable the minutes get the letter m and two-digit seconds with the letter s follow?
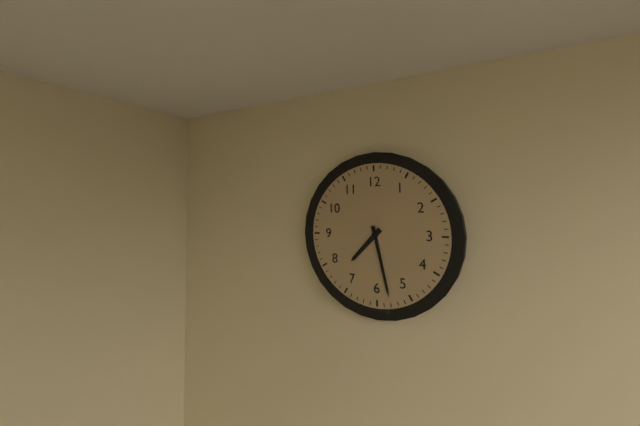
7h28
